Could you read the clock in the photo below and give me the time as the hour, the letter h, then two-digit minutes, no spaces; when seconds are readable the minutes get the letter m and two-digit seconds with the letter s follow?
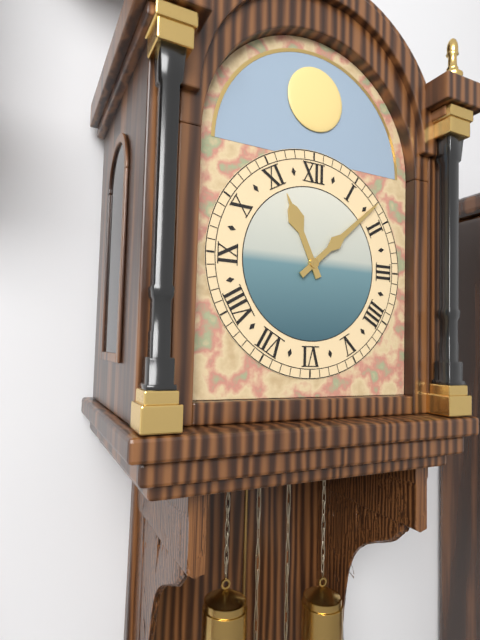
11h08
